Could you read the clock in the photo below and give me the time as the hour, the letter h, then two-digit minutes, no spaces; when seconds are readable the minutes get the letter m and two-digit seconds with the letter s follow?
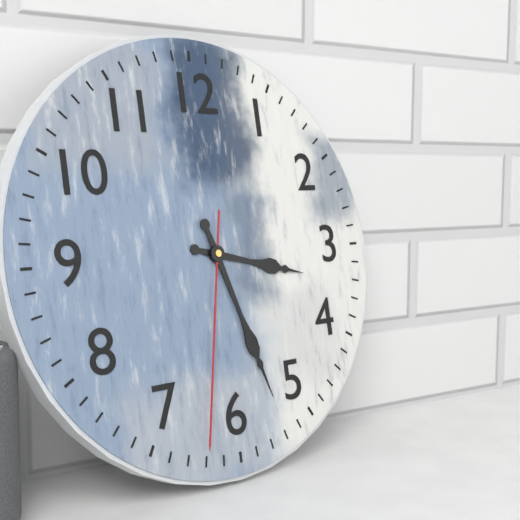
3h27m32s
